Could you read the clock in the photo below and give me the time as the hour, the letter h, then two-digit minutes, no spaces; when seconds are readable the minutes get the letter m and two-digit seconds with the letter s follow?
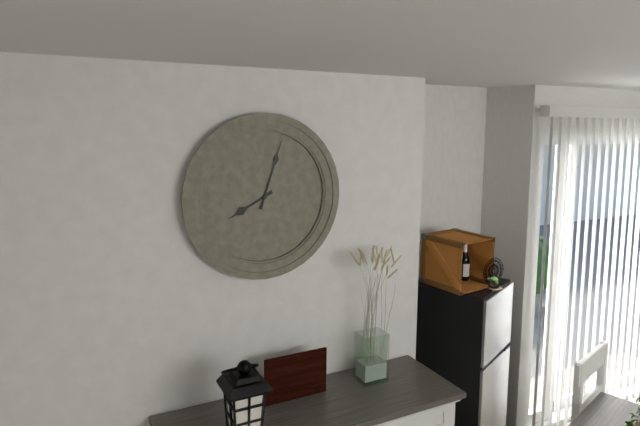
8h03
